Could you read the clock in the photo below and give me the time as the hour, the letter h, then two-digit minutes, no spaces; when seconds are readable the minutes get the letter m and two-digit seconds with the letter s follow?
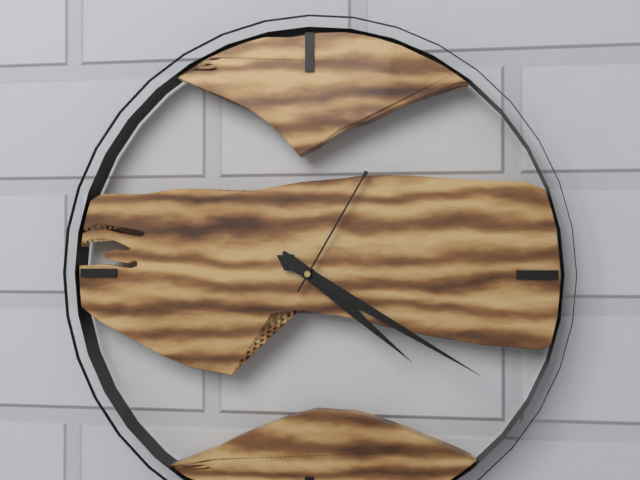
4h20m05s
